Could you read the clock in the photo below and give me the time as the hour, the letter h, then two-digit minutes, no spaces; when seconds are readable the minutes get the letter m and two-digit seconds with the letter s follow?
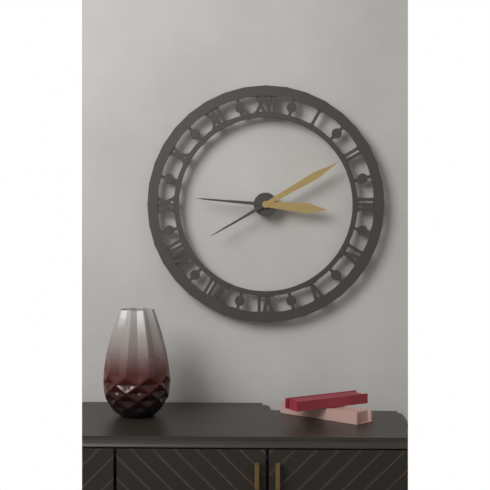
3h10
